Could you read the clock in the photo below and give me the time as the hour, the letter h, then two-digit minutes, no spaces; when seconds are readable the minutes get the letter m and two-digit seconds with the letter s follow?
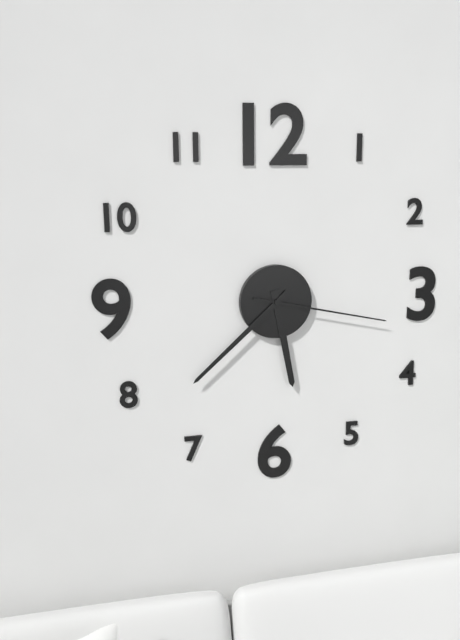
5h38m17s
